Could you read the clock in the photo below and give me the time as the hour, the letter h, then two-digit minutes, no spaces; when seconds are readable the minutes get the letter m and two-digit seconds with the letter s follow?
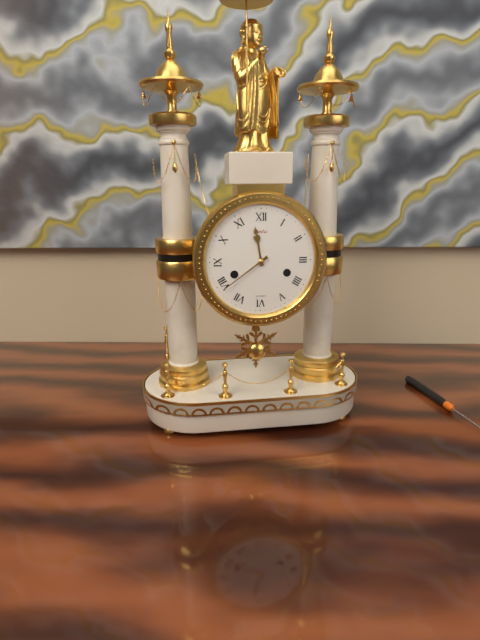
11h39
